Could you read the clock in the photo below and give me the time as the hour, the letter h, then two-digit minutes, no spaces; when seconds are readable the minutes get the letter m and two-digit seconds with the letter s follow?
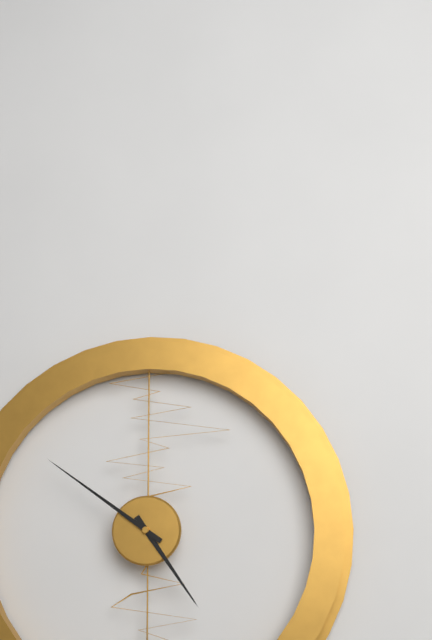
4h51
